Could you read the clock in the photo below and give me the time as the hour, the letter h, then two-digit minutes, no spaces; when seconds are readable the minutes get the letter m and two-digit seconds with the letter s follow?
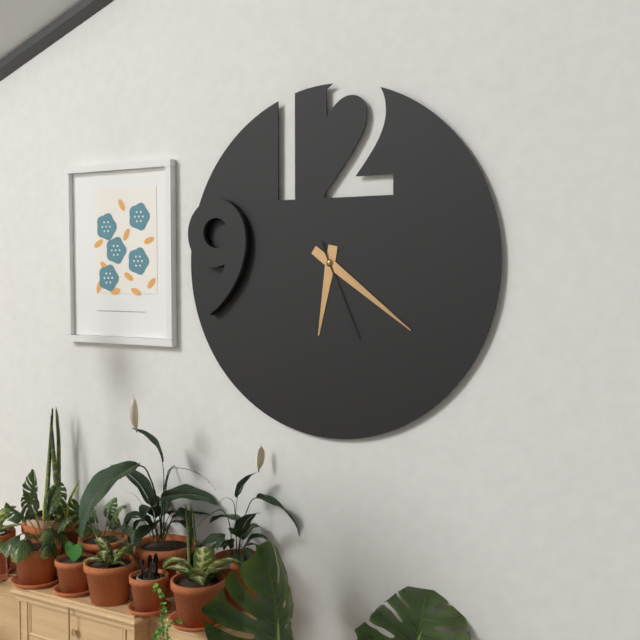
6h21m26s
